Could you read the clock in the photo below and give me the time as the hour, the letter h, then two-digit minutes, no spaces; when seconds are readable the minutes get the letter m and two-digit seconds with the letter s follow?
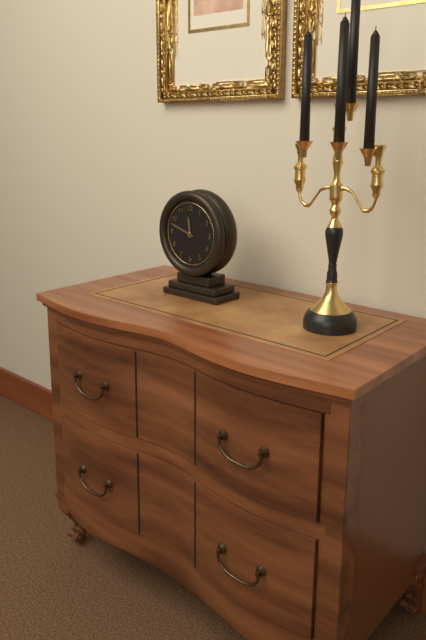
11h48
